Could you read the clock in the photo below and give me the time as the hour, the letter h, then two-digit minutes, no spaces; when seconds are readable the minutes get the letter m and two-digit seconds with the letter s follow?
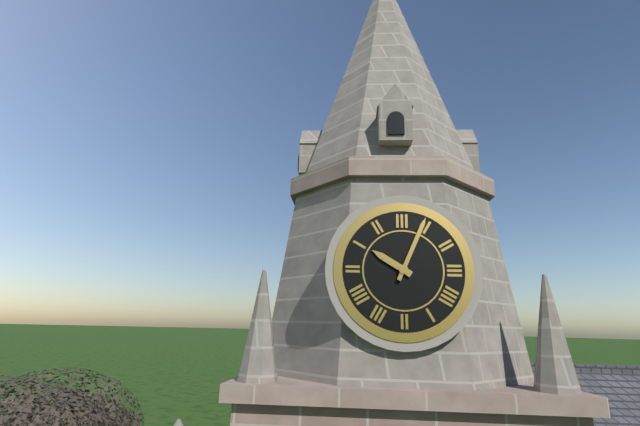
10h04
